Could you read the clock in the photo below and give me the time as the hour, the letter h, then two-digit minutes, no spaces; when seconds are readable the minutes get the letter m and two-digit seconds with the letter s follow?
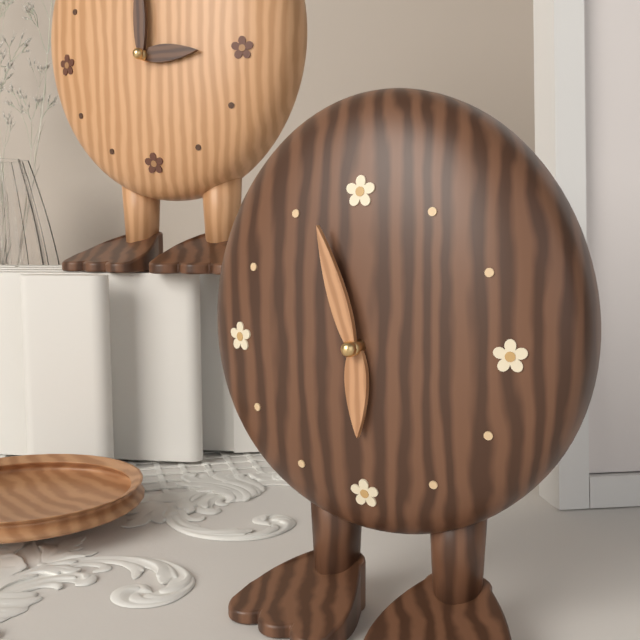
5h57
